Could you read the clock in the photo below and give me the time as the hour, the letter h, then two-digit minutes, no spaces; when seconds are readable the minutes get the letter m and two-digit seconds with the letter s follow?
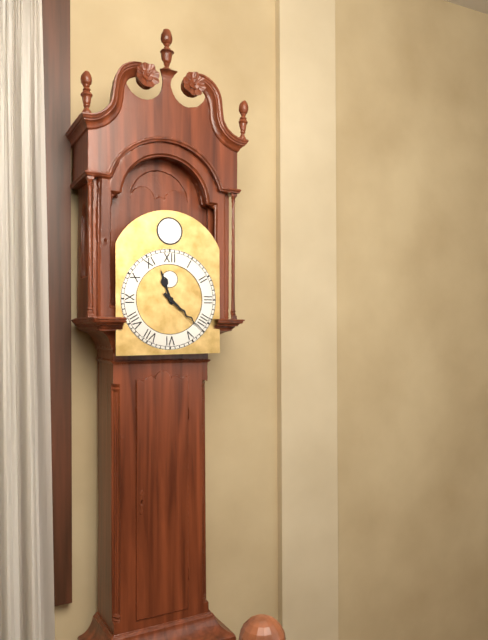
11h22
